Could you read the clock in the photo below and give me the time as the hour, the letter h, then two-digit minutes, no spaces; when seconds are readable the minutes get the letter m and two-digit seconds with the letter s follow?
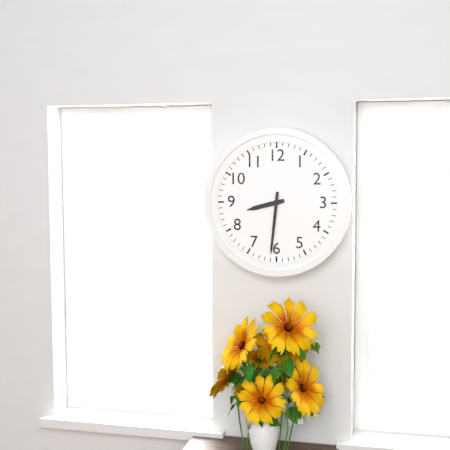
8h31
